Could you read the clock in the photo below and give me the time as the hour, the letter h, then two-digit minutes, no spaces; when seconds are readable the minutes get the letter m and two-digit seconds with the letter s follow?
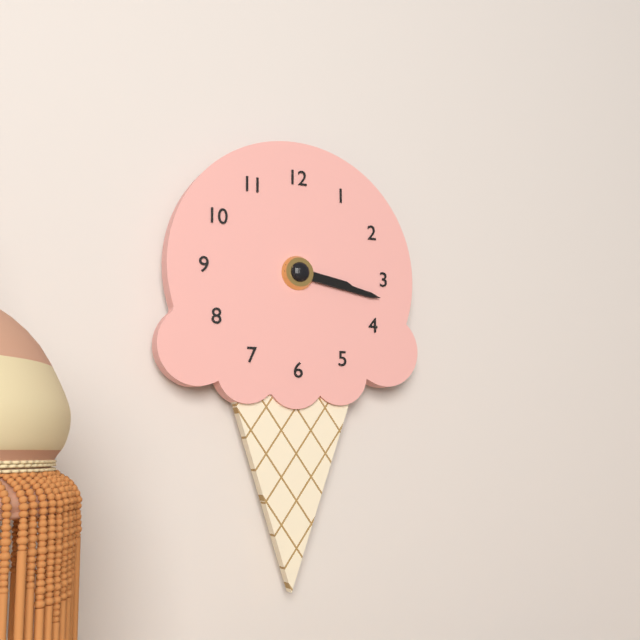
3h17
